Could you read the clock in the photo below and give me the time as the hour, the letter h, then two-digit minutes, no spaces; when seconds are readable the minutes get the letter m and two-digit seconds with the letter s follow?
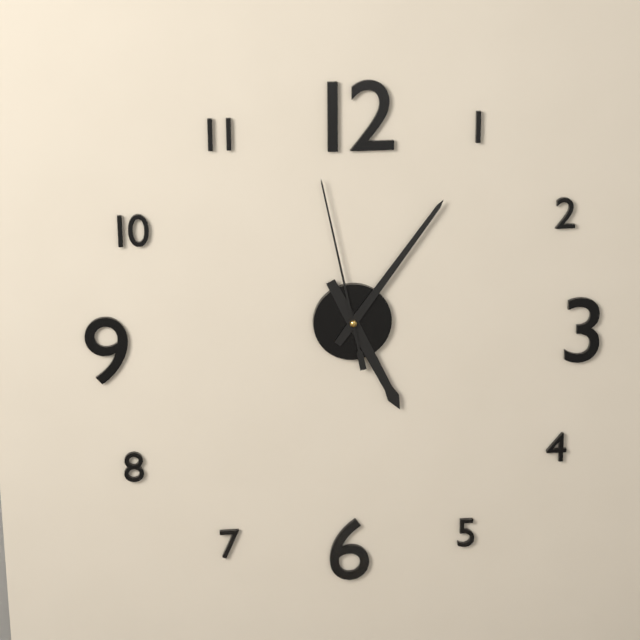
5h06m58s
